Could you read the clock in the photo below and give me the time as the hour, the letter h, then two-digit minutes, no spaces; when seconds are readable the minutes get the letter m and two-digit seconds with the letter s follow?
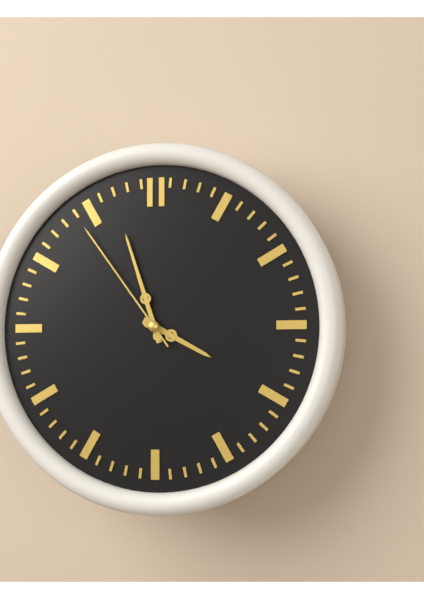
3h57m54s
